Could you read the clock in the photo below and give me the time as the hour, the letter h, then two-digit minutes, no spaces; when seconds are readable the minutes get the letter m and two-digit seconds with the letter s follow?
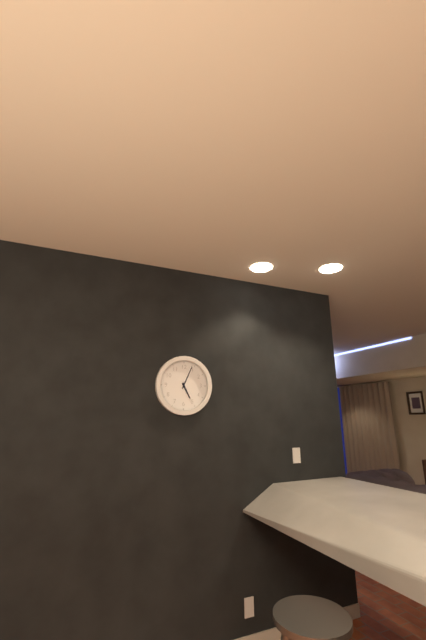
5h04
